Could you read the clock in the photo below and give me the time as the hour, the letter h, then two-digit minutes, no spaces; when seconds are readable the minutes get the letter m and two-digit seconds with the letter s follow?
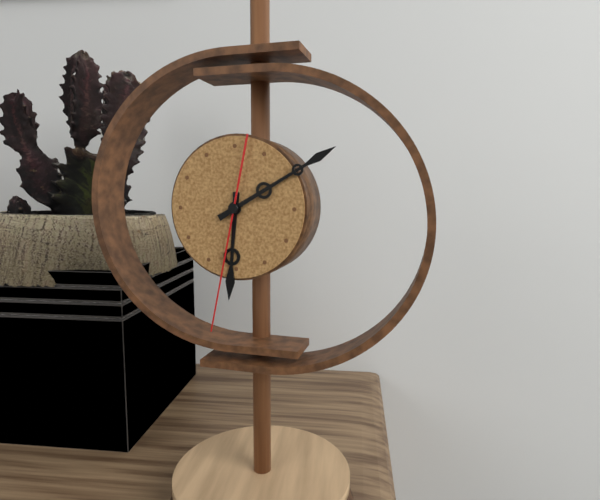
6h10m32s
